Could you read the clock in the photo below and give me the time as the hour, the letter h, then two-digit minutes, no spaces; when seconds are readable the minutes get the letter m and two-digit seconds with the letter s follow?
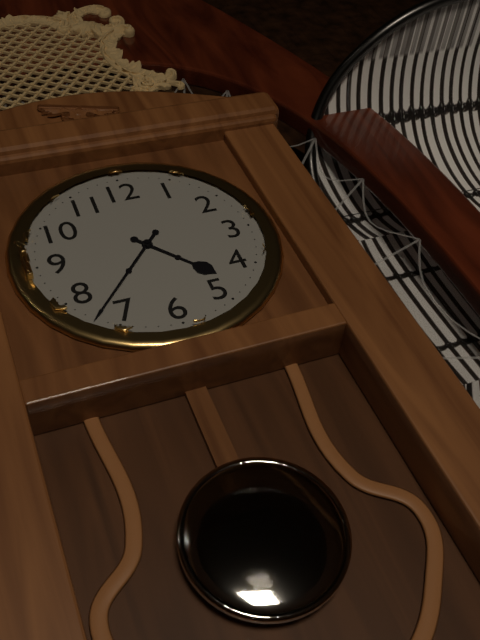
4h37
